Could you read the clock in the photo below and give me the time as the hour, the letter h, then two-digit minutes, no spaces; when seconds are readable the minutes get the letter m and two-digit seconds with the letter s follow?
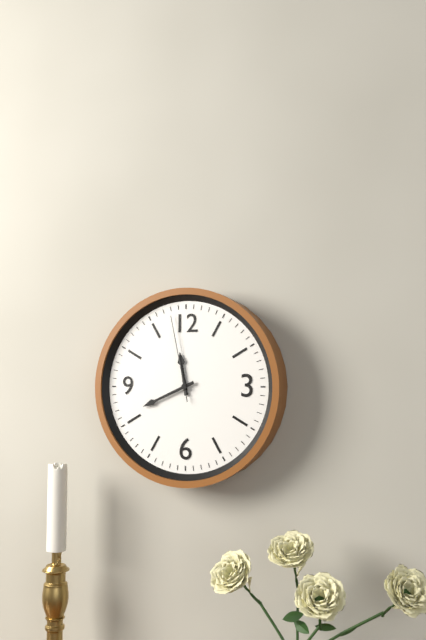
11h41m58s
